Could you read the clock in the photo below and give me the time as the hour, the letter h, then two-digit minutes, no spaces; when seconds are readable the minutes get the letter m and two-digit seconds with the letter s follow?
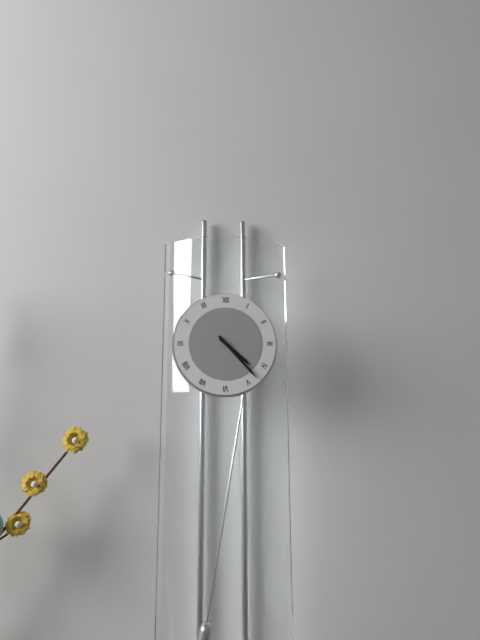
4h23
